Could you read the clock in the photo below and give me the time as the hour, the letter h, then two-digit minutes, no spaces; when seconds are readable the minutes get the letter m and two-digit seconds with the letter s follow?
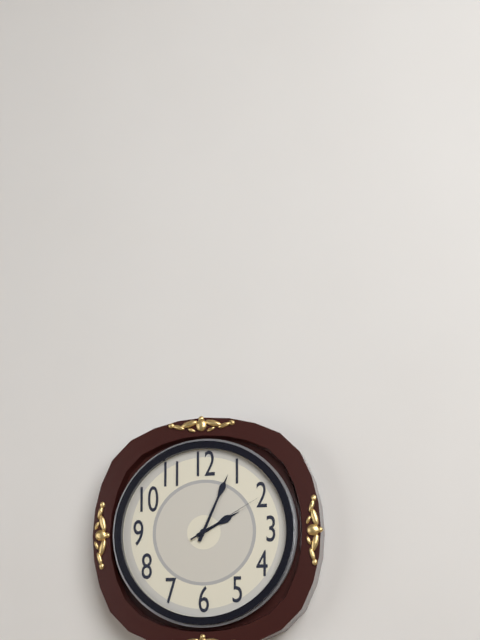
2h04m10s
